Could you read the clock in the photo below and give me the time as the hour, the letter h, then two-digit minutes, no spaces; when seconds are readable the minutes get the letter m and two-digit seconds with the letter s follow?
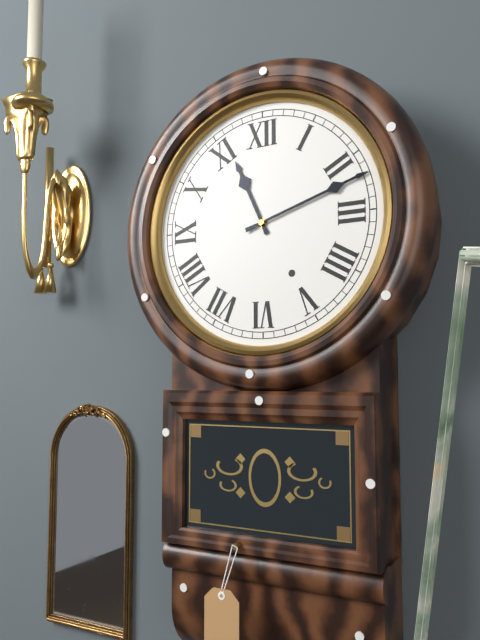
11h12
